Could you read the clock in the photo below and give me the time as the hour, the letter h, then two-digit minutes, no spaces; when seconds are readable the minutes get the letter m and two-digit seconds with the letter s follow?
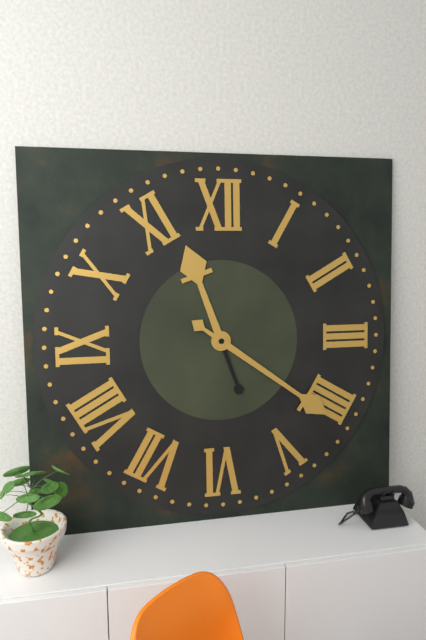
11h21
